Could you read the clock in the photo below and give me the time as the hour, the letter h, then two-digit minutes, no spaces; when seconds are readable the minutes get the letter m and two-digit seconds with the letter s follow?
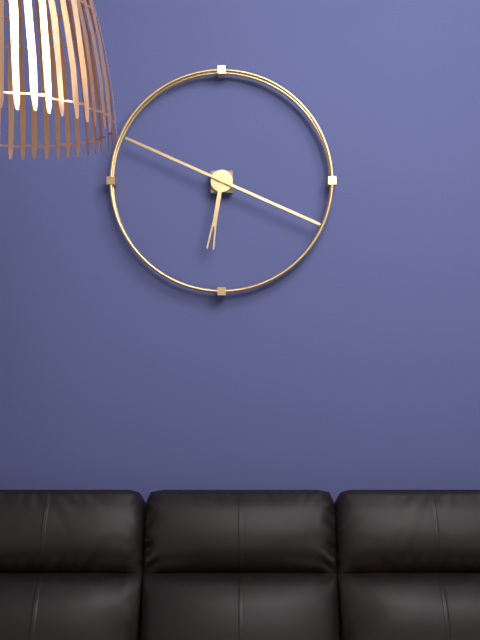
6h19
